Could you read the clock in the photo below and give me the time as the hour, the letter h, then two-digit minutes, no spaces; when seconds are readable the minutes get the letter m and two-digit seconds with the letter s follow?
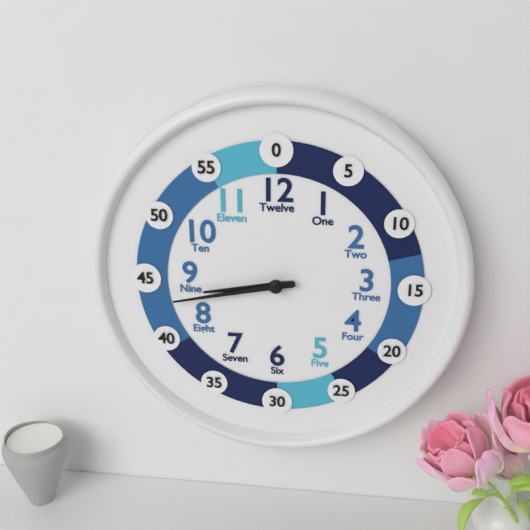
8h43
